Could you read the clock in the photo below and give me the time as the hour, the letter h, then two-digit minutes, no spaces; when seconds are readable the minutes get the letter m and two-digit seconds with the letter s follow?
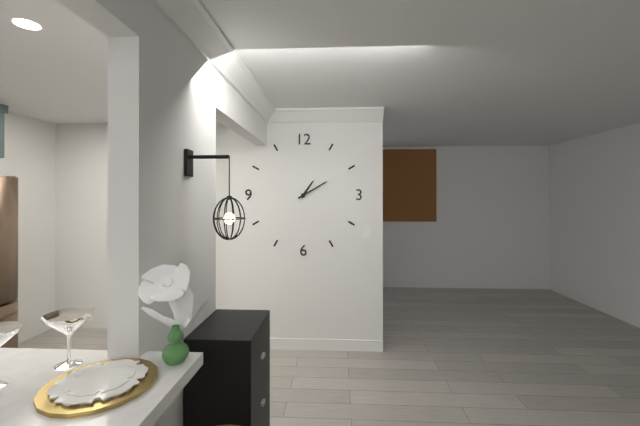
1h10
